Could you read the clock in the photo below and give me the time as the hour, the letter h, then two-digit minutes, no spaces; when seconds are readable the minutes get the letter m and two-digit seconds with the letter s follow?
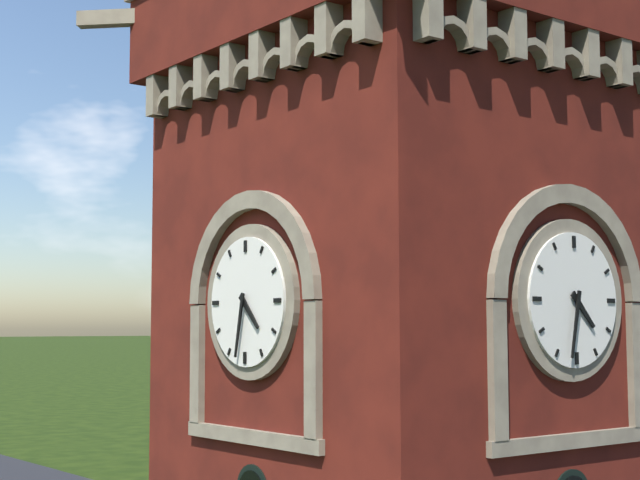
4h32
